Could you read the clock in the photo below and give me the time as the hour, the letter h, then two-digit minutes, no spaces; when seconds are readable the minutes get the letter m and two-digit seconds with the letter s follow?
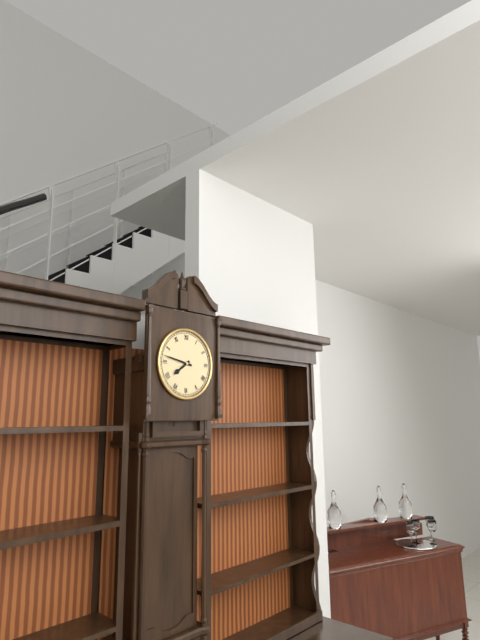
7h47
